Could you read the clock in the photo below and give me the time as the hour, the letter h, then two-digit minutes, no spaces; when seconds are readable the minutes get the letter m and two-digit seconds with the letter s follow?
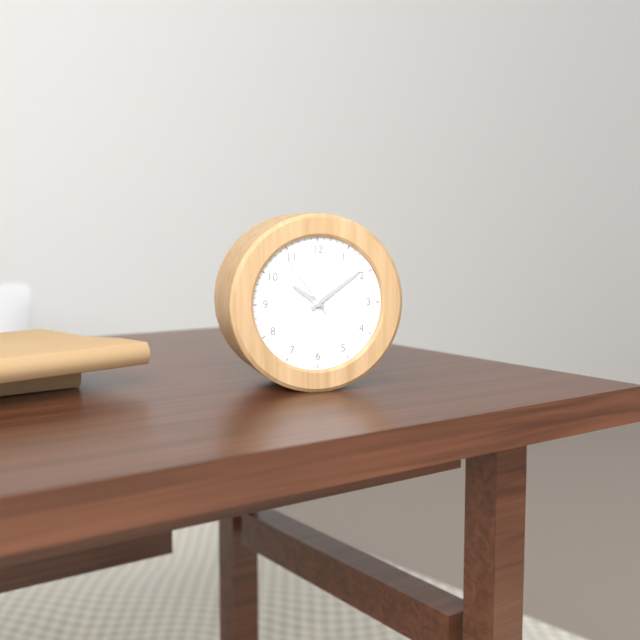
10h09m54s
